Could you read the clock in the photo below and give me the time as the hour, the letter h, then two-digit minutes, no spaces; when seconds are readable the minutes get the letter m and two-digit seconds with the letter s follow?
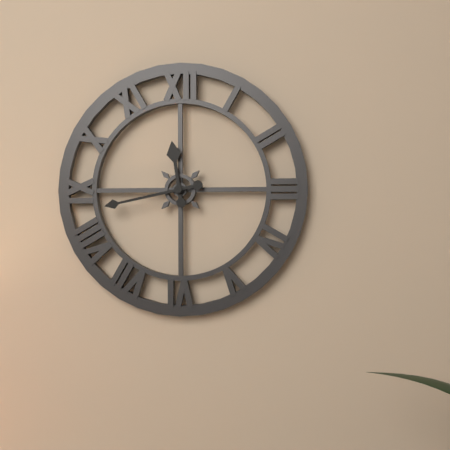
11h43
